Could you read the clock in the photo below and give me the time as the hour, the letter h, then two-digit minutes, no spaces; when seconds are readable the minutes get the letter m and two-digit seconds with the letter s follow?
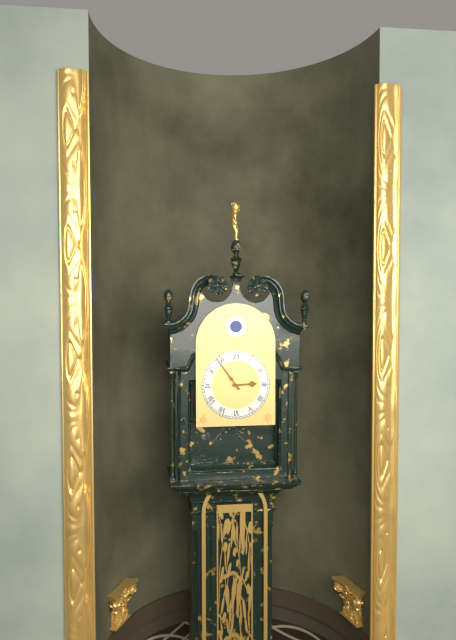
2h54
